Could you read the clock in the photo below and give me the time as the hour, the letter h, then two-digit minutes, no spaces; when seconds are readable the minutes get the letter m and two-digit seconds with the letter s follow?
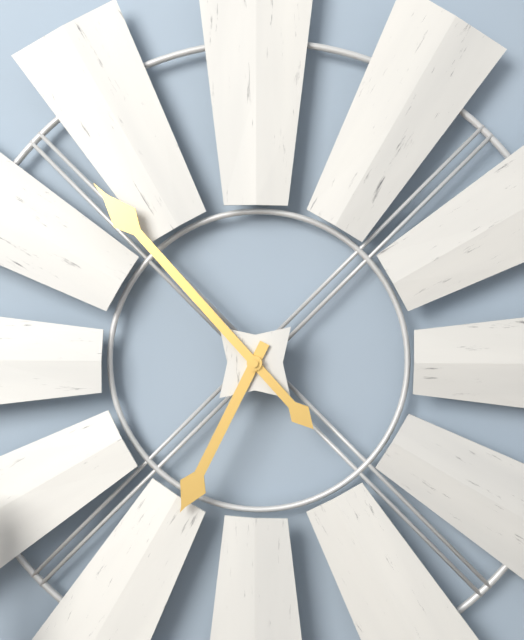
6h53
